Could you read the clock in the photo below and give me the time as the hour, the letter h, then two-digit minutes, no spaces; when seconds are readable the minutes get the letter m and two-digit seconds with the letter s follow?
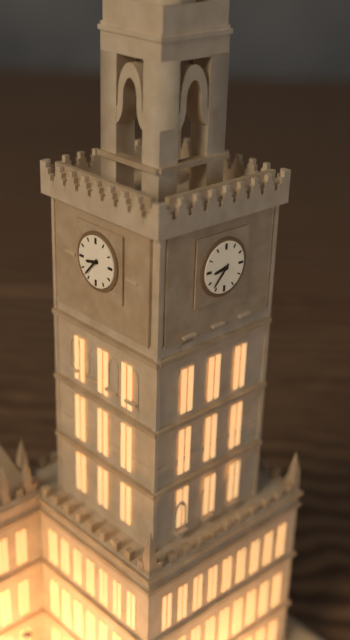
8h37
